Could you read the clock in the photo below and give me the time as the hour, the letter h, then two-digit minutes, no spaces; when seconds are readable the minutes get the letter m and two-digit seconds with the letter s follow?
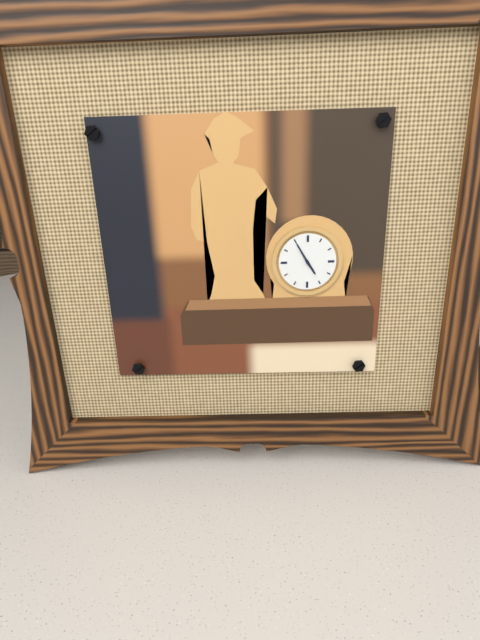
4h55
